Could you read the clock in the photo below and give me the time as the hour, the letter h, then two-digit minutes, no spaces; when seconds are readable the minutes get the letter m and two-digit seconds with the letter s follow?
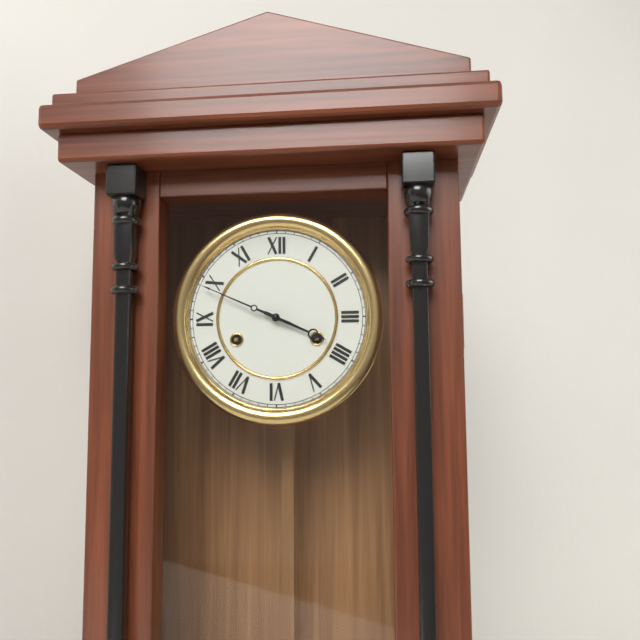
3h49
